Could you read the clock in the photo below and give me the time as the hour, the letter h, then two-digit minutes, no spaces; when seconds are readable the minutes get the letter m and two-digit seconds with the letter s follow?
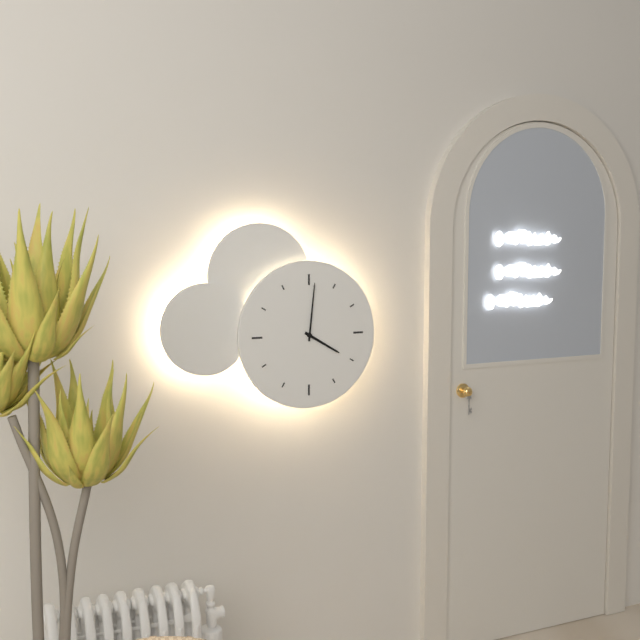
4h01
